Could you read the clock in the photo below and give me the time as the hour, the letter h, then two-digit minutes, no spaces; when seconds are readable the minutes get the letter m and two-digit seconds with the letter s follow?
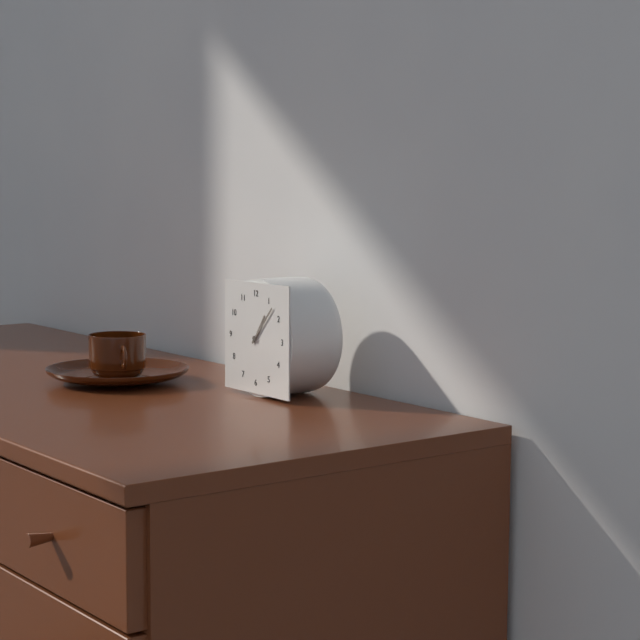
1h07
